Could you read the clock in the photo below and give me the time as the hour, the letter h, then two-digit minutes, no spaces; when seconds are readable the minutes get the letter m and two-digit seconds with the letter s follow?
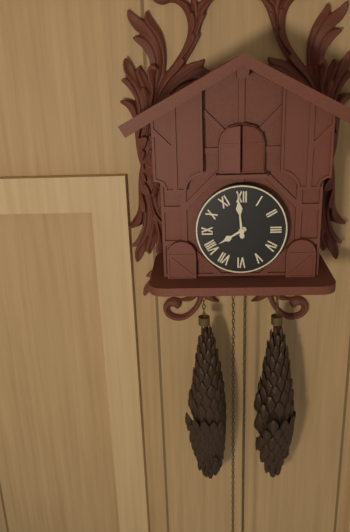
7h59
